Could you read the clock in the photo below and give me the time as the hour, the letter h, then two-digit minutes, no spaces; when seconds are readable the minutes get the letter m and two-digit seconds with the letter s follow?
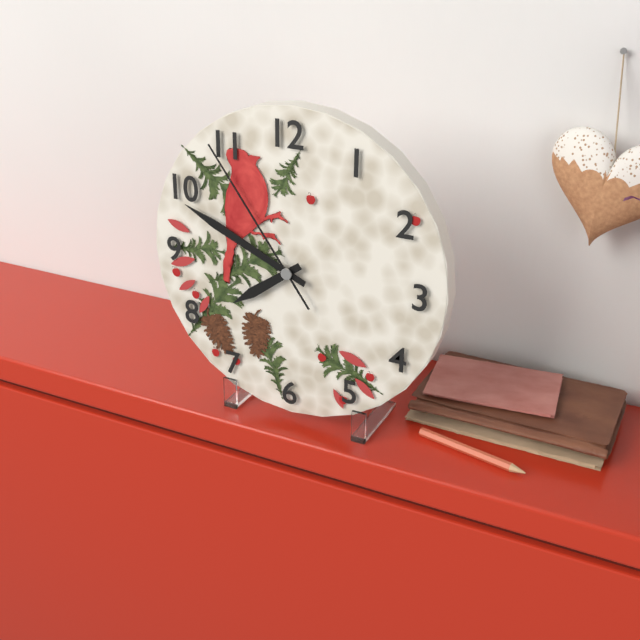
7h49m54s
